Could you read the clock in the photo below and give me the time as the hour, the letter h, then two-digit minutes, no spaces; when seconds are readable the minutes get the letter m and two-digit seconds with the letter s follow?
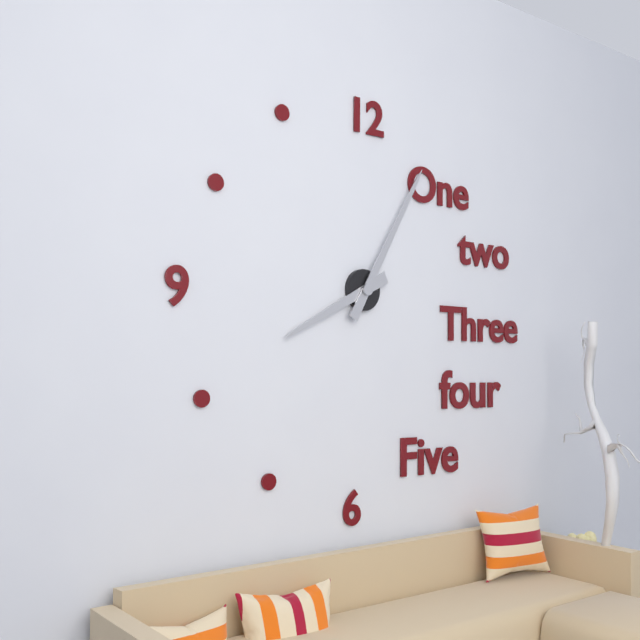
8h05
